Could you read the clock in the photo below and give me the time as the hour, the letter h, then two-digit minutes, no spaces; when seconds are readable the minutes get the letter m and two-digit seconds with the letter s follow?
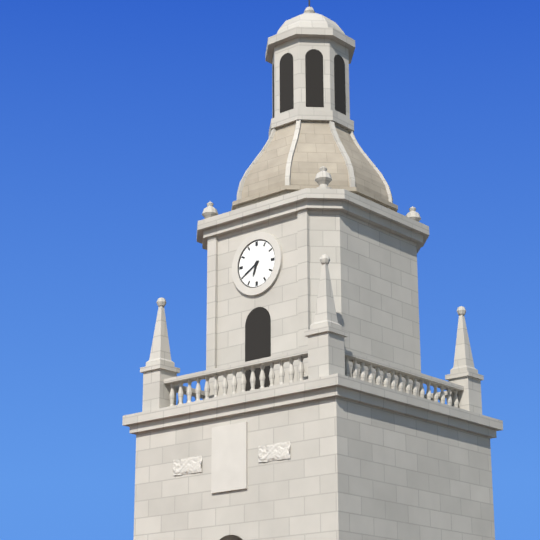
6h40
